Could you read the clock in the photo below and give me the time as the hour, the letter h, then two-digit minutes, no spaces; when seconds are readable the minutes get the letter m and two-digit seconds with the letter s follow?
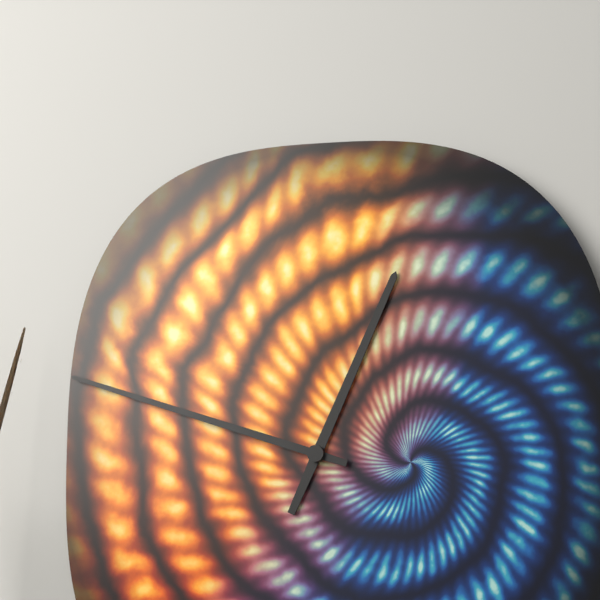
12h48
